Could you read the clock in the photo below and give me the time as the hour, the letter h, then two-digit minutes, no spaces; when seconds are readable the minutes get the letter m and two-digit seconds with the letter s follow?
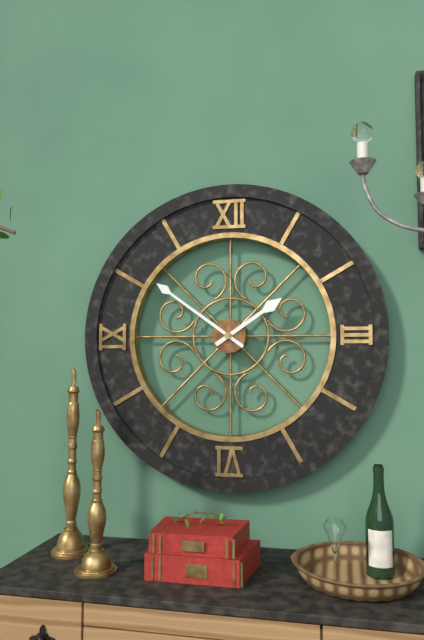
1h51
